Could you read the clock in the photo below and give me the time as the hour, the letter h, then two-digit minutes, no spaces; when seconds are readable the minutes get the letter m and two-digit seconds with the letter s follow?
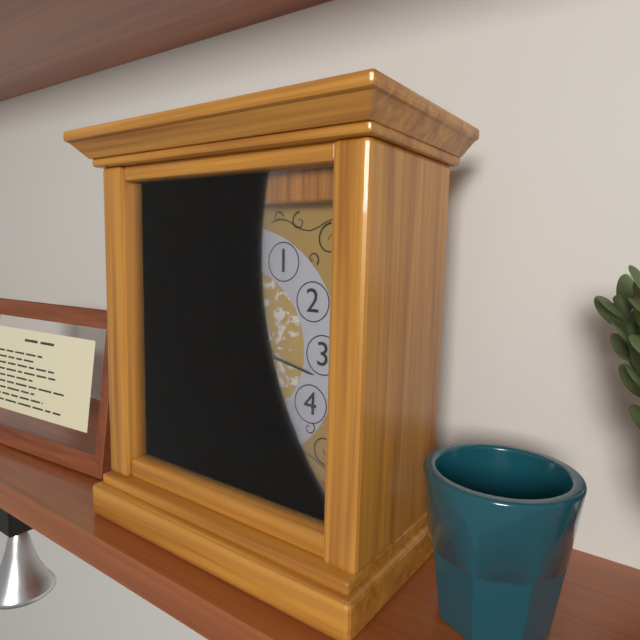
11h17
